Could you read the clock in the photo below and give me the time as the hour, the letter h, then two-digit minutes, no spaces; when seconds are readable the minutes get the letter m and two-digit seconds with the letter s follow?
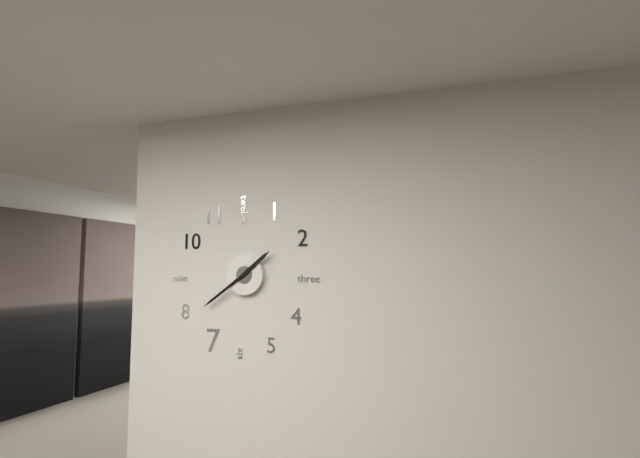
1h39
